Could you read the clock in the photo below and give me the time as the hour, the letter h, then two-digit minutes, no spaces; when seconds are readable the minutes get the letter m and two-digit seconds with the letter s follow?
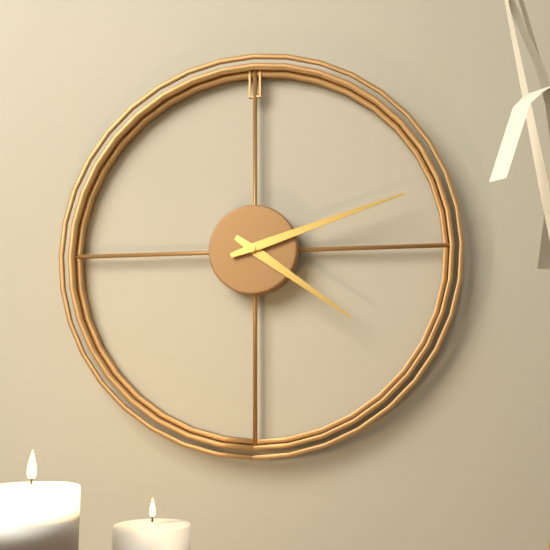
4h12
